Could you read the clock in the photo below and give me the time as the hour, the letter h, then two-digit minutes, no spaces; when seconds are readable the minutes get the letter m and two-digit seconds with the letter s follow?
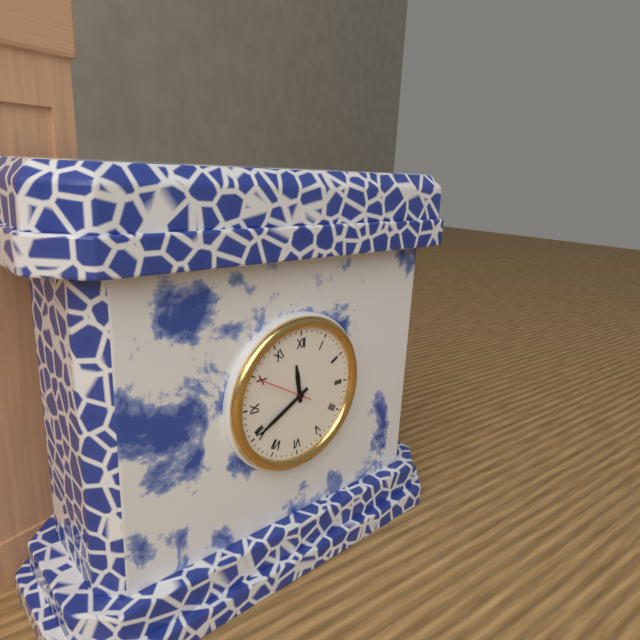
11h40
